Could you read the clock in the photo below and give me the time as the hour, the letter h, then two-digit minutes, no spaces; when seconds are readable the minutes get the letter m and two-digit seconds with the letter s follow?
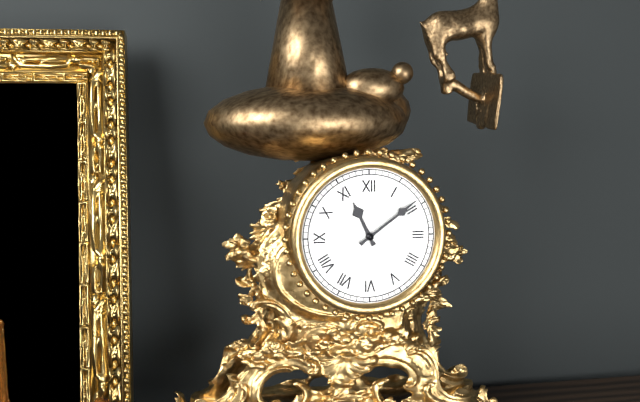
11h09
